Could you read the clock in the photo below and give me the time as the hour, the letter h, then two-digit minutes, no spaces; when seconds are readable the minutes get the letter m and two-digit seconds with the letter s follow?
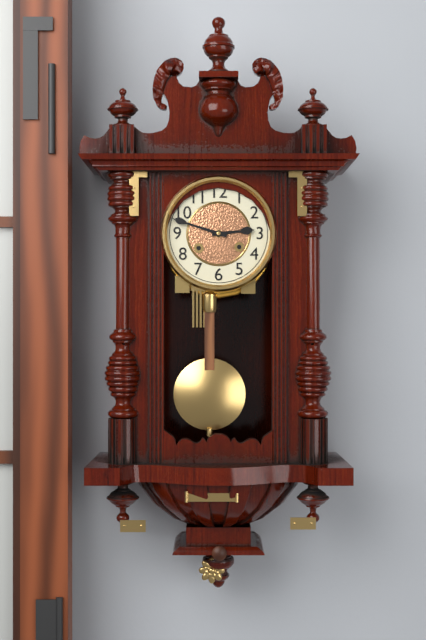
2h48
